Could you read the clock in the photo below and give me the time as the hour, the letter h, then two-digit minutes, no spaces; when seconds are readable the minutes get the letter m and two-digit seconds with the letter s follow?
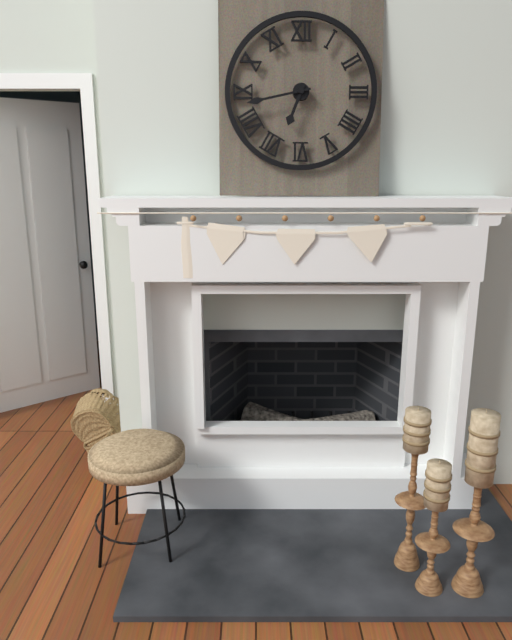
6h43
